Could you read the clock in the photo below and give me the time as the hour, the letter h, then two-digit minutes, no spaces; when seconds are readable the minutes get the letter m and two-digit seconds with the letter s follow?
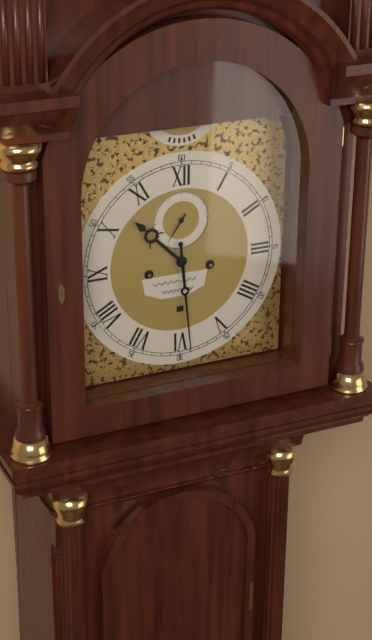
10h29
